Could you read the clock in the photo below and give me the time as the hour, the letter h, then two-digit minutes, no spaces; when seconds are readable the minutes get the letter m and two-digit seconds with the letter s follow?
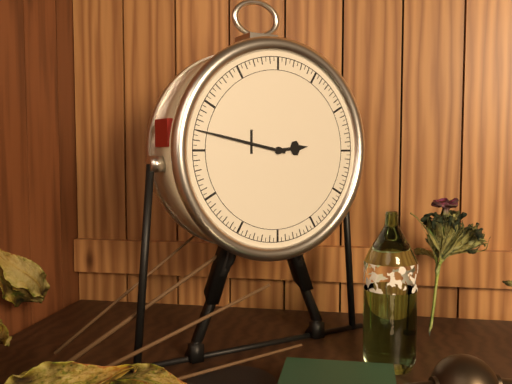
2h47
